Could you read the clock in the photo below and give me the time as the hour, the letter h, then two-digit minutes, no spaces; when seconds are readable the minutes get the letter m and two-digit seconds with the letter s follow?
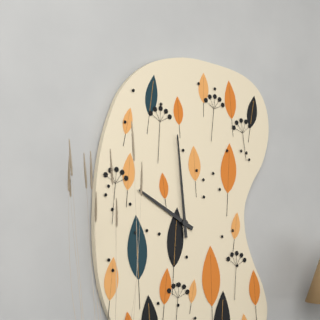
9h59
